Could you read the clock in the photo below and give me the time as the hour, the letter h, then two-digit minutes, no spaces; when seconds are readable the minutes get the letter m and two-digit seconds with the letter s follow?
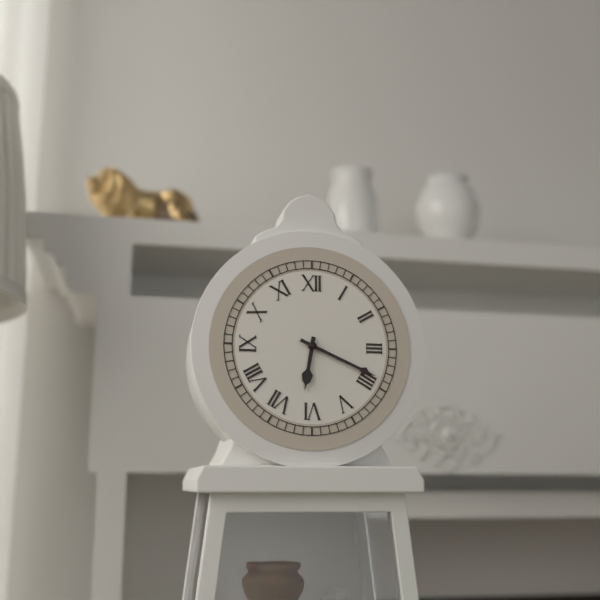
6h19
